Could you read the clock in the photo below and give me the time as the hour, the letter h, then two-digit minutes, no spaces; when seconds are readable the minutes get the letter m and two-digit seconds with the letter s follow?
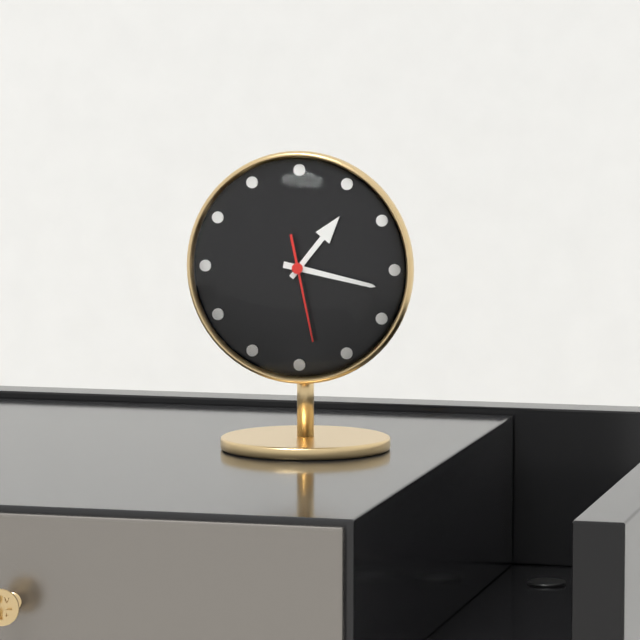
1h17m28s
